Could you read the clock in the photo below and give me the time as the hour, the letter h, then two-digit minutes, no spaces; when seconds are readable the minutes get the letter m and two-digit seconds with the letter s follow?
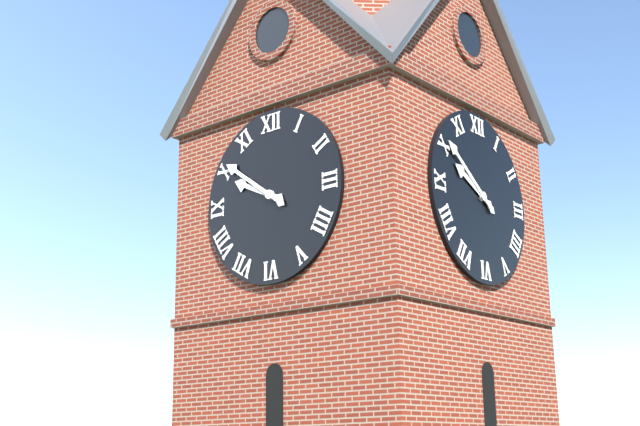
9h51
